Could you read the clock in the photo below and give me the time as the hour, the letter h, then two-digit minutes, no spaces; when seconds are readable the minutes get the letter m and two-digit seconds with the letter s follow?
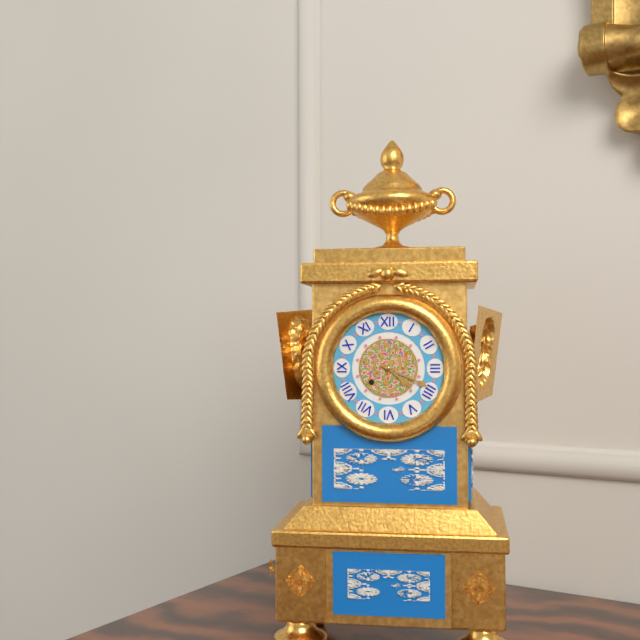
4h19
